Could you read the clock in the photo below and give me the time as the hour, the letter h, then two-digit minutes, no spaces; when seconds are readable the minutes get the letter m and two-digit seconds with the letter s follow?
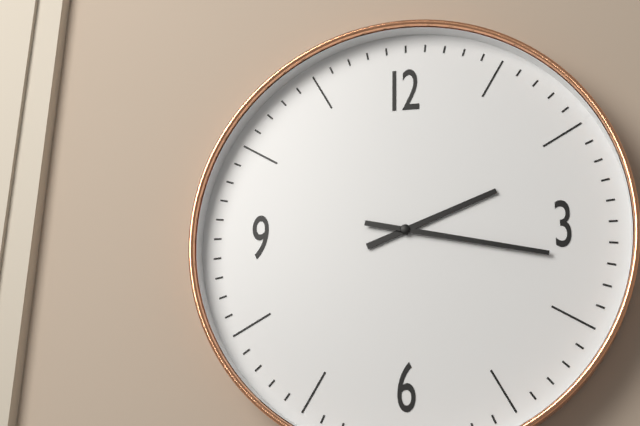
2h17
